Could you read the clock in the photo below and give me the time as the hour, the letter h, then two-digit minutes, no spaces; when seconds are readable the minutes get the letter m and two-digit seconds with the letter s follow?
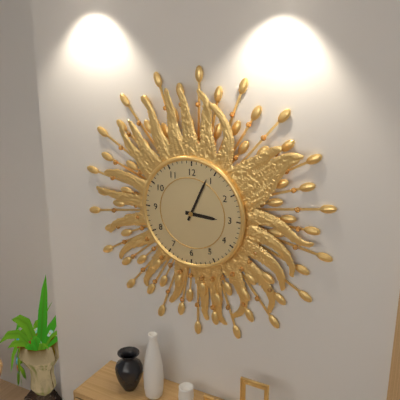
3h04
